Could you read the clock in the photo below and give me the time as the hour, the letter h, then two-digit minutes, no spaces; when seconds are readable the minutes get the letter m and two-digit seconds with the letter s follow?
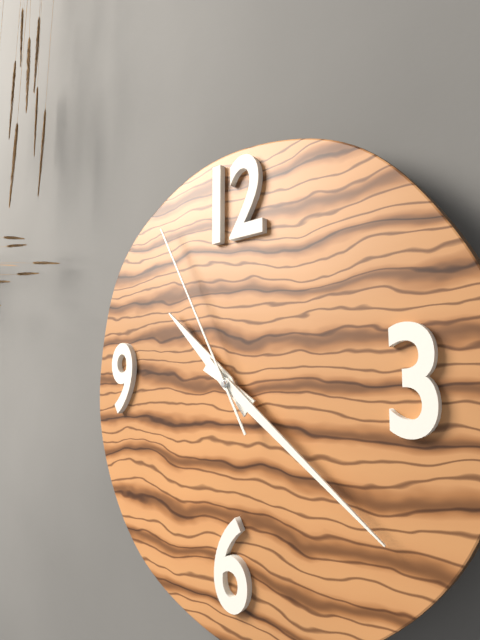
10h21m55s
